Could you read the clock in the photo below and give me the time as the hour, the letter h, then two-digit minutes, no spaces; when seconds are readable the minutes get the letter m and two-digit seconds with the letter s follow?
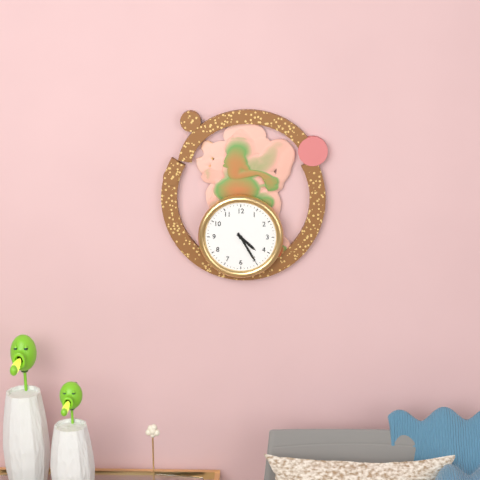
4h25
